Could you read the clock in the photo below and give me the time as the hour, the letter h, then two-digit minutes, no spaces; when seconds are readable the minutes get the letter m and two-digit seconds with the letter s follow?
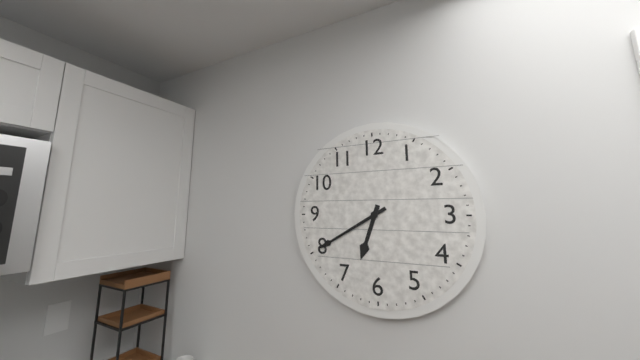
6h40
